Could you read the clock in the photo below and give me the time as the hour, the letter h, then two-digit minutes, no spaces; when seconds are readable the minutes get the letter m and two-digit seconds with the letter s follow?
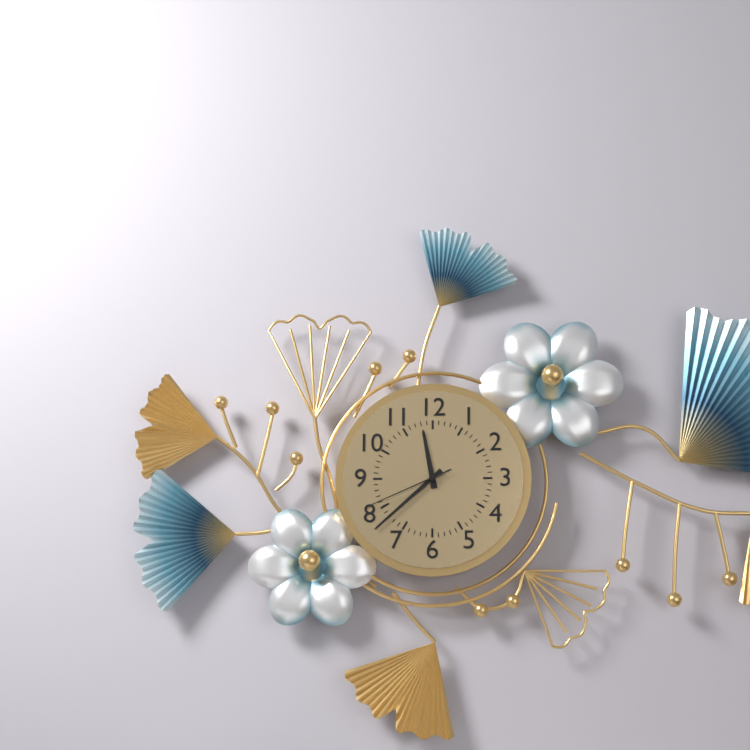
11h38m41s
